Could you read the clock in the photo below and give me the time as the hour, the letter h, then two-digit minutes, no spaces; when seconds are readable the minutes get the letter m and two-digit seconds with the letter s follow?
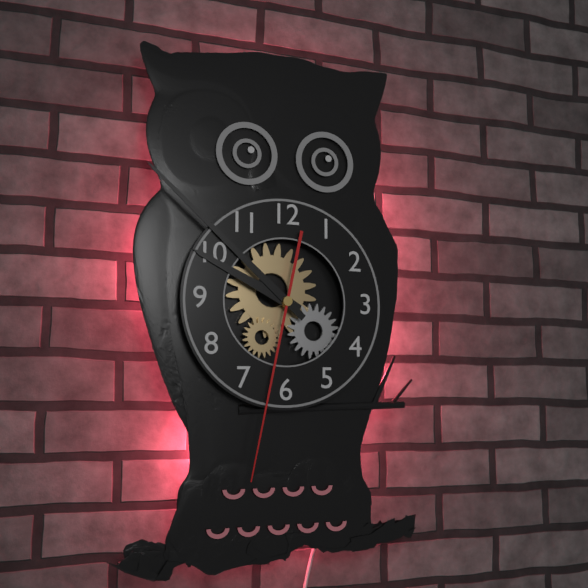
9h52m32s
